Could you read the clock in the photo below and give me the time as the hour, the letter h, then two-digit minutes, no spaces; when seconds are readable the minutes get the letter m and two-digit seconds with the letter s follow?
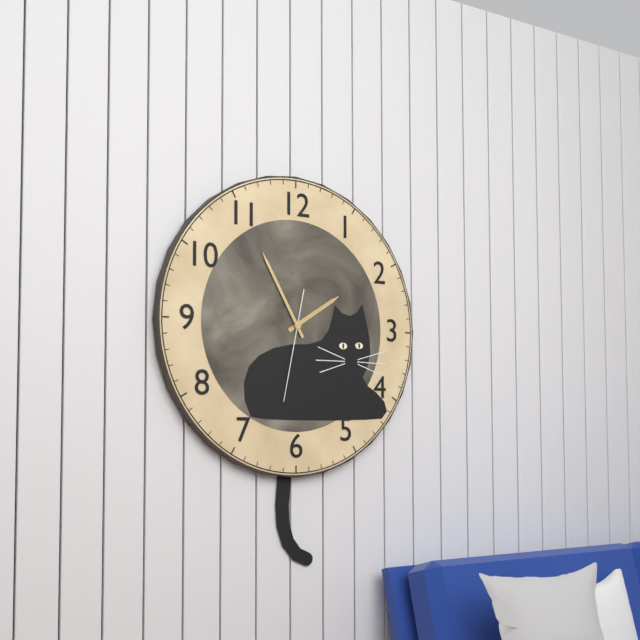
1h55m32s
